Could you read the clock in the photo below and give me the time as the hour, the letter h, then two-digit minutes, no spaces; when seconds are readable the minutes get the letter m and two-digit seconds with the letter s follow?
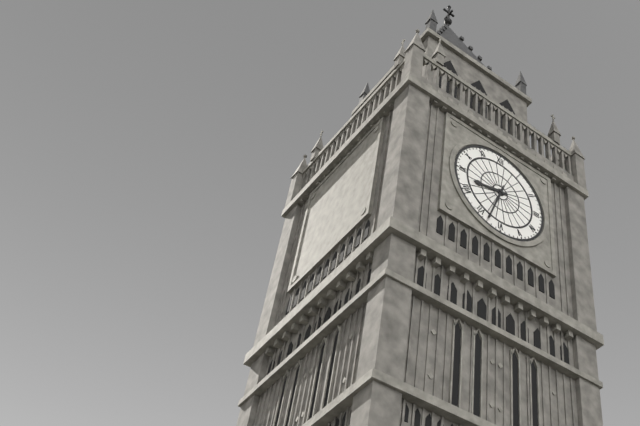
8h33
